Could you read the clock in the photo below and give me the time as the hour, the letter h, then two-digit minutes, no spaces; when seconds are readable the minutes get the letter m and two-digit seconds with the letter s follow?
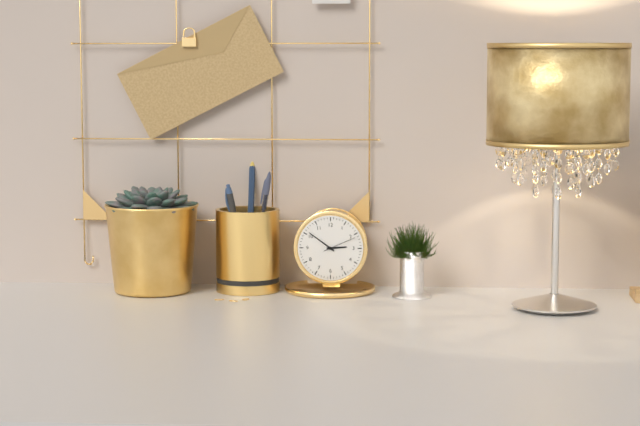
2h51
